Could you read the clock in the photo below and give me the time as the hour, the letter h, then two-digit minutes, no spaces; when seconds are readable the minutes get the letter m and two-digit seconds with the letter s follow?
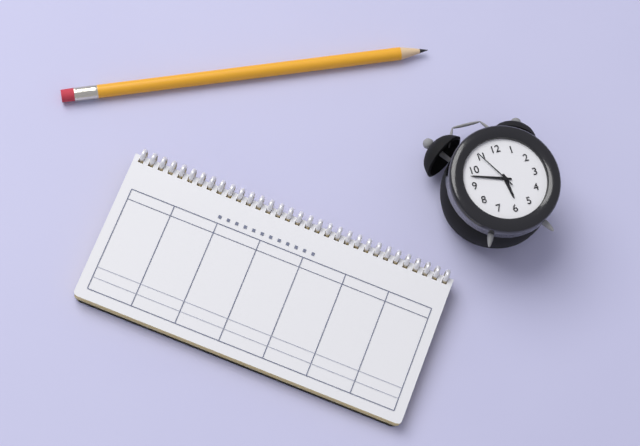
5h48
